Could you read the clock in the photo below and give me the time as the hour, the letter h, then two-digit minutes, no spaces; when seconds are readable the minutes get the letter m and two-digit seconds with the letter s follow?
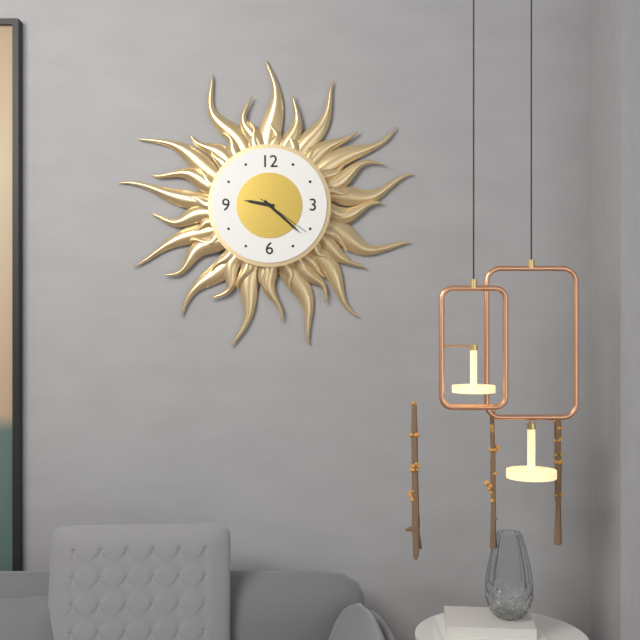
9h22m21s
